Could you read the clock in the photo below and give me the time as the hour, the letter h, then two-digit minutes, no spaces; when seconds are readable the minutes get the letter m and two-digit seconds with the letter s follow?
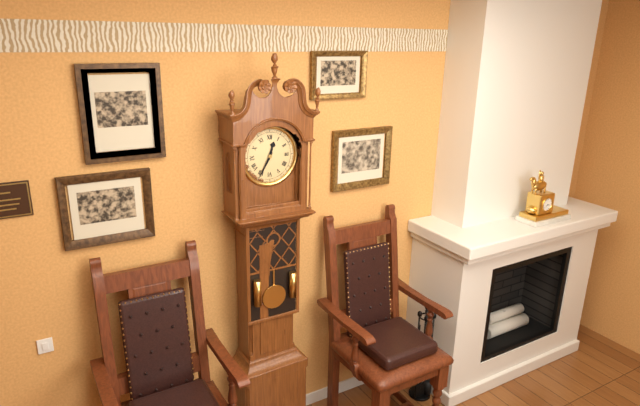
12h35
